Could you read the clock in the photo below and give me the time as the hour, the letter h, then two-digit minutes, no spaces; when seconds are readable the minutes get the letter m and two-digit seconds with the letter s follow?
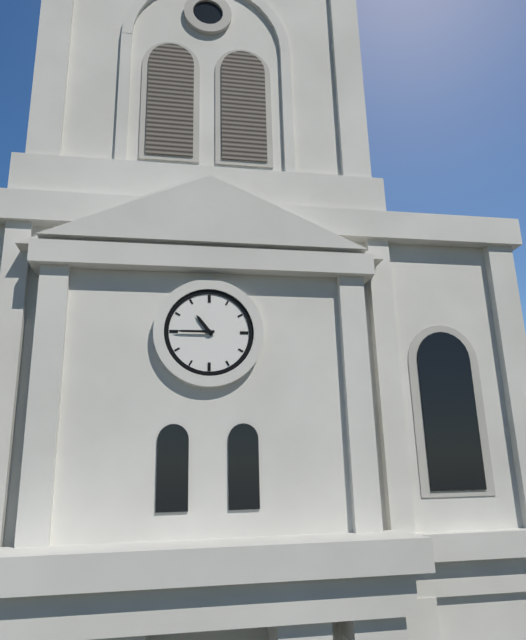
10h45
